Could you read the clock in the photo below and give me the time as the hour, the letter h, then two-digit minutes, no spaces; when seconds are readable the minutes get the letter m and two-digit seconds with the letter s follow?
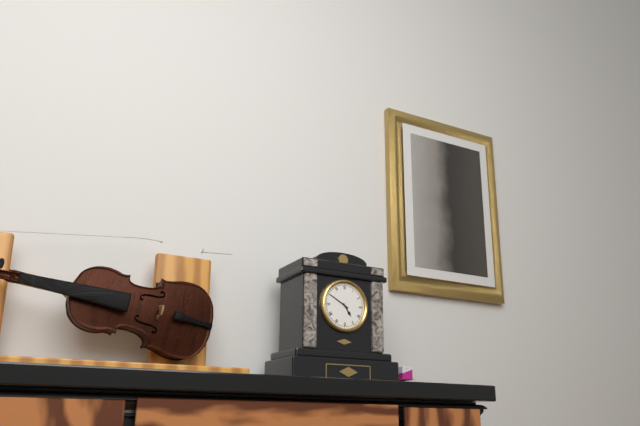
4h50
